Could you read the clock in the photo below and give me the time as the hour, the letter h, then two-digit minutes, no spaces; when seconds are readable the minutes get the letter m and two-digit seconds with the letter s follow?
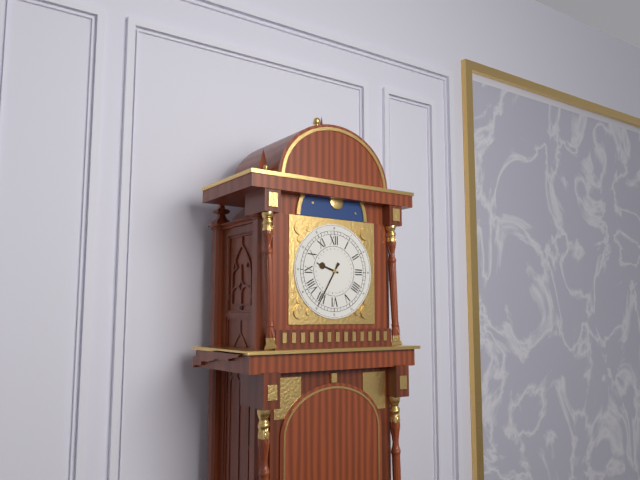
9h35
